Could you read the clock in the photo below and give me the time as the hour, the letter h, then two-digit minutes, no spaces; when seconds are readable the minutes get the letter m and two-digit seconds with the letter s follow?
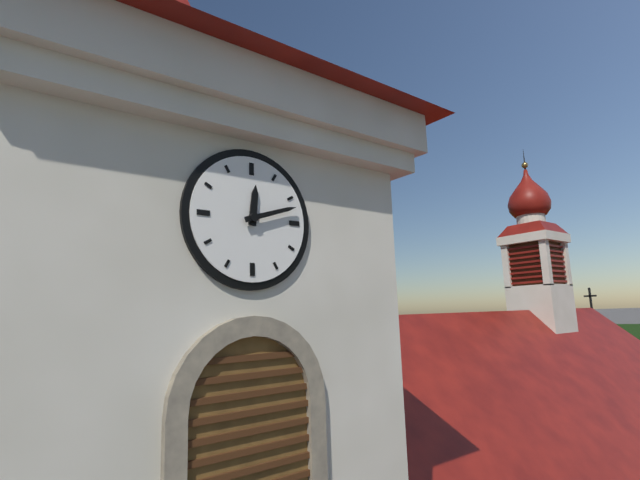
12h12
